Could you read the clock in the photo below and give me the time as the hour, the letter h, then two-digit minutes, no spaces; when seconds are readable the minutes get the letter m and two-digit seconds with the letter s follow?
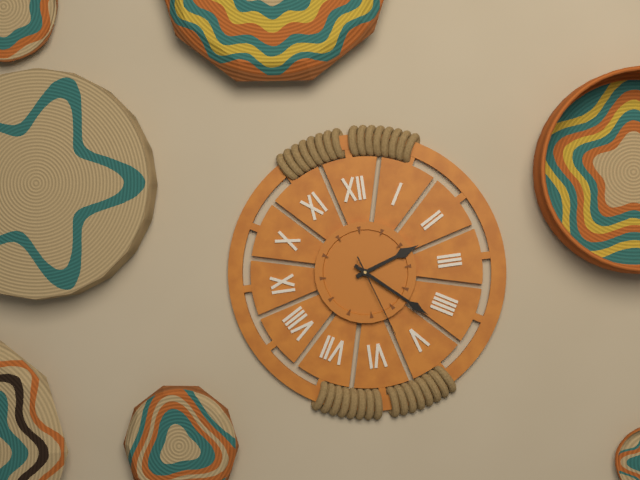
2h22m27s
